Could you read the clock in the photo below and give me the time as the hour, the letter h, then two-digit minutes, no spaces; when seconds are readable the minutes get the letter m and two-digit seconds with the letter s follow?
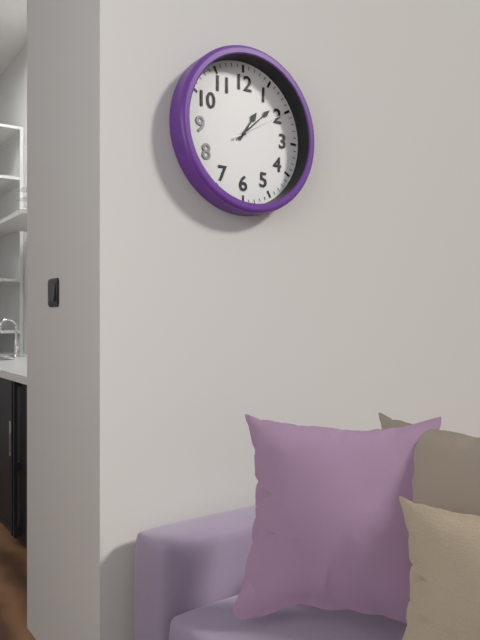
1h08m10s
